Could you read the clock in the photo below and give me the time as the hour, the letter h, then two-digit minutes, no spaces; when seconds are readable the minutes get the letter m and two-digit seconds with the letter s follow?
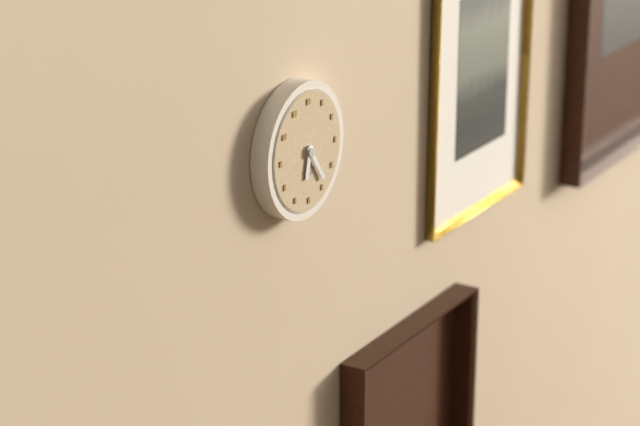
6h24
